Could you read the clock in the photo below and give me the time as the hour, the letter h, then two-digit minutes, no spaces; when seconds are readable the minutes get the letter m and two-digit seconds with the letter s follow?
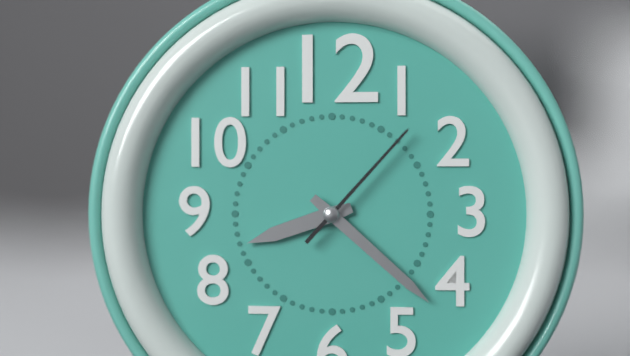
8h22m07s
